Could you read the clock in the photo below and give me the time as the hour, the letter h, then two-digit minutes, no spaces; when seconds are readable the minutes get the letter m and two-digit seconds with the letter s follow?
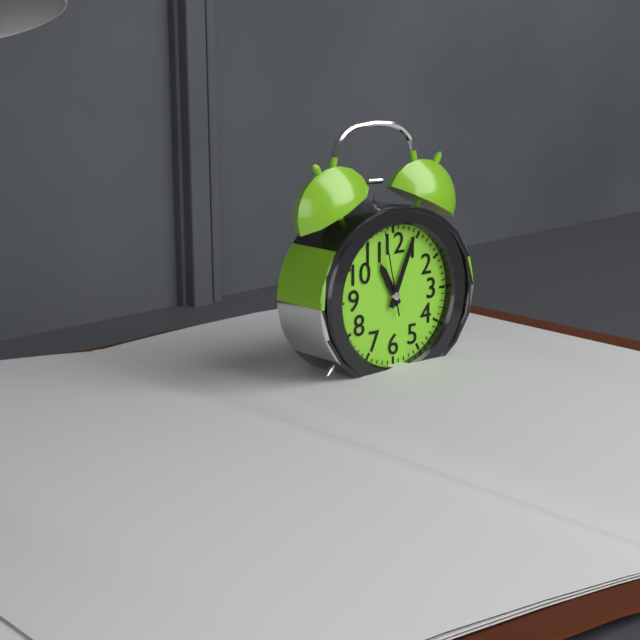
11h04m58s
